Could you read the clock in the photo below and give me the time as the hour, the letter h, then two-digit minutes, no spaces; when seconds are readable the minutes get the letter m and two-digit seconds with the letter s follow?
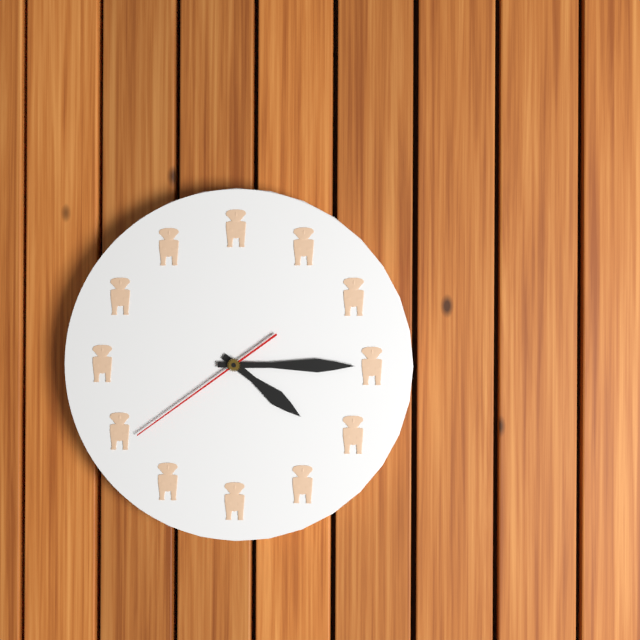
4h15m39s
